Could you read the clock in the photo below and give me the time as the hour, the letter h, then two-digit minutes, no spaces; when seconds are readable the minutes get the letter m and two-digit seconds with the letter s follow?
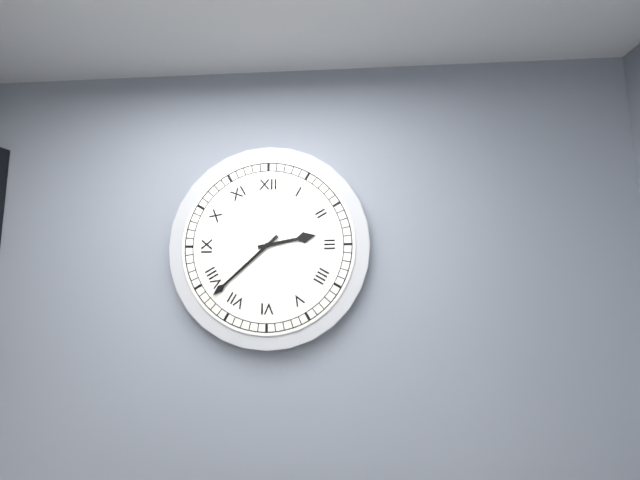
2h38
